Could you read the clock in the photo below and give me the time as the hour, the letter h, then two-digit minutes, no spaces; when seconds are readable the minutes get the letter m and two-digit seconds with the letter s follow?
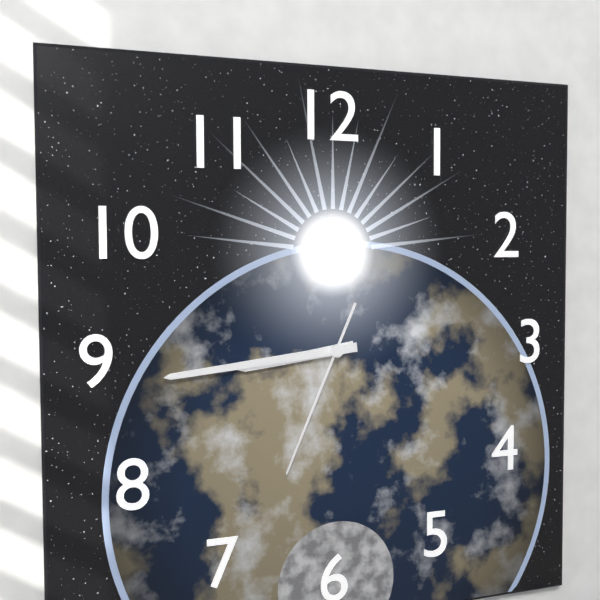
8h44m34s
